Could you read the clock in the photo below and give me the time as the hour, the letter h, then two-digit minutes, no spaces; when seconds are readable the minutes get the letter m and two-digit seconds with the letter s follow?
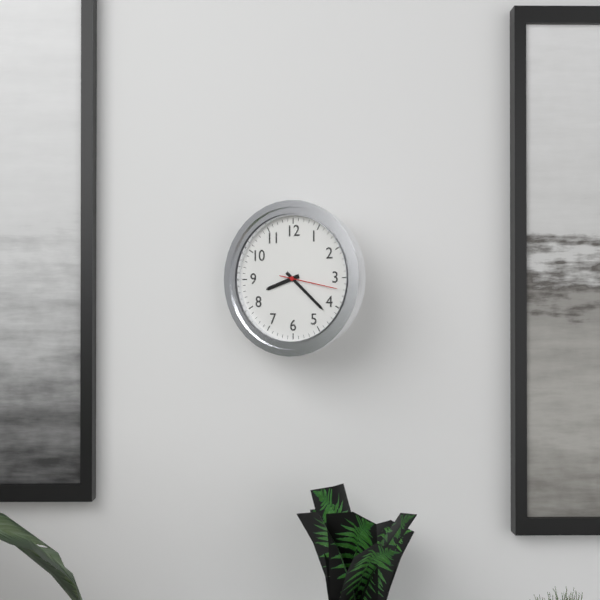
8h22m17s
